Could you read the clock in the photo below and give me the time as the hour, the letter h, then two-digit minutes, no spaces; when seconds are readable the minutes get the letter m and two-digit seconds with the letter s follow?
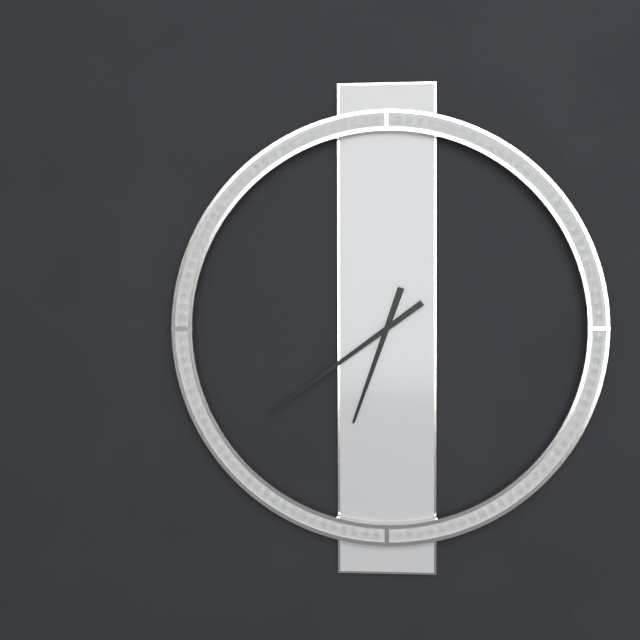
6h39
